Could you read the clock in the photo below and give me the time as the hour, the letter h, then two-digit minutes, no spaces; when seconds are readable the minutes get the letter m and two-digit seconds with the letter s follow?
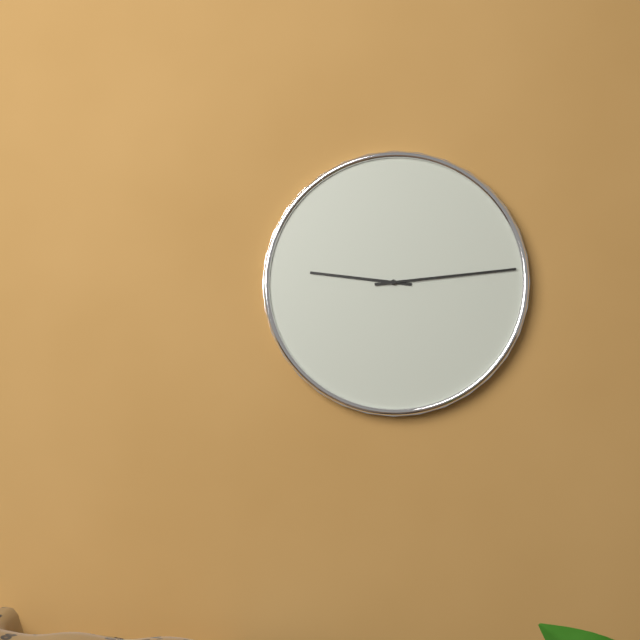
9h14
